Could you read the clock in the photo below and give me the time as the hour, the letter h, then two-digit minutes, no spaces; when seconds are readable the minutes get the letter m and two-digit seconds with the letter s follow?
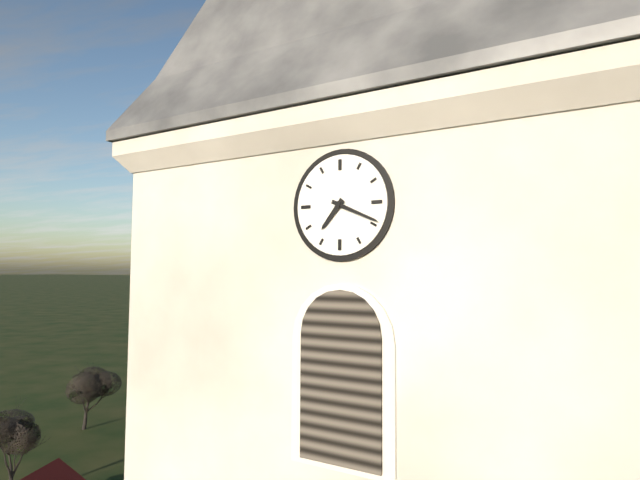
7h19
